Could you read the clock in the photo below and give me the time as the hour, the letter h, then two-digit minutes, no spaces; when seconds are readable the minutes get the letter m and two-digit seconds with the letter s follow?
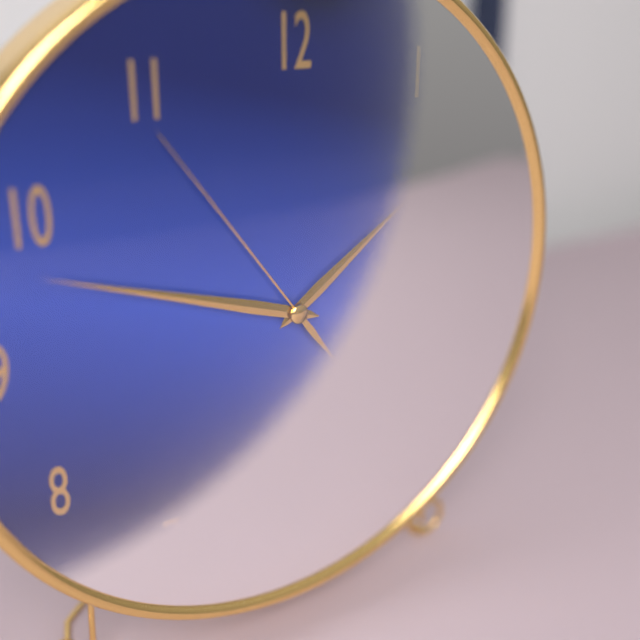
1h48m54s
